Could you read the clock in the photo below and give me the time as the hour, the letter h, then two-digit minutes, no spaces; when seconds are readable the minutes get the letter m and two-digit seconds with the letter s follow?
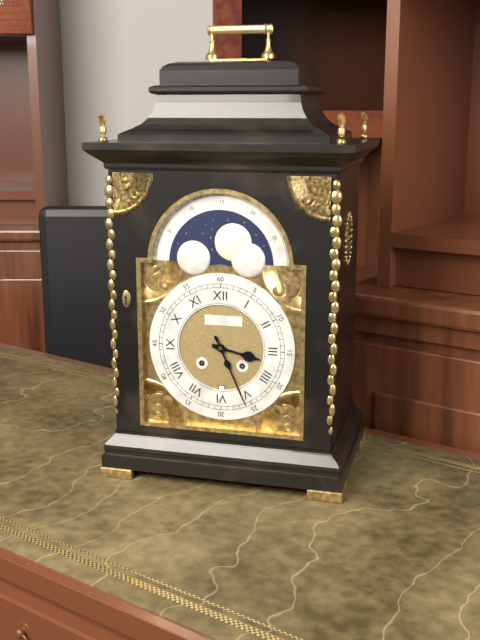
3h26
